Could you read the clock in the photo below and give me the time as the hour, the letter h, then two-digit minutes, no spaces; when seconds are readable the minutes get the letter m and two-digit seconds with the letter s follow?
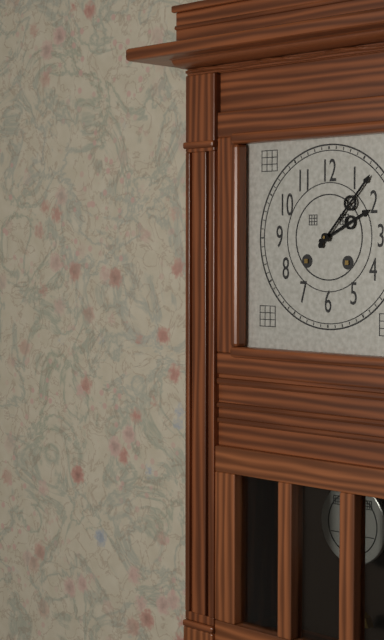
2h07
